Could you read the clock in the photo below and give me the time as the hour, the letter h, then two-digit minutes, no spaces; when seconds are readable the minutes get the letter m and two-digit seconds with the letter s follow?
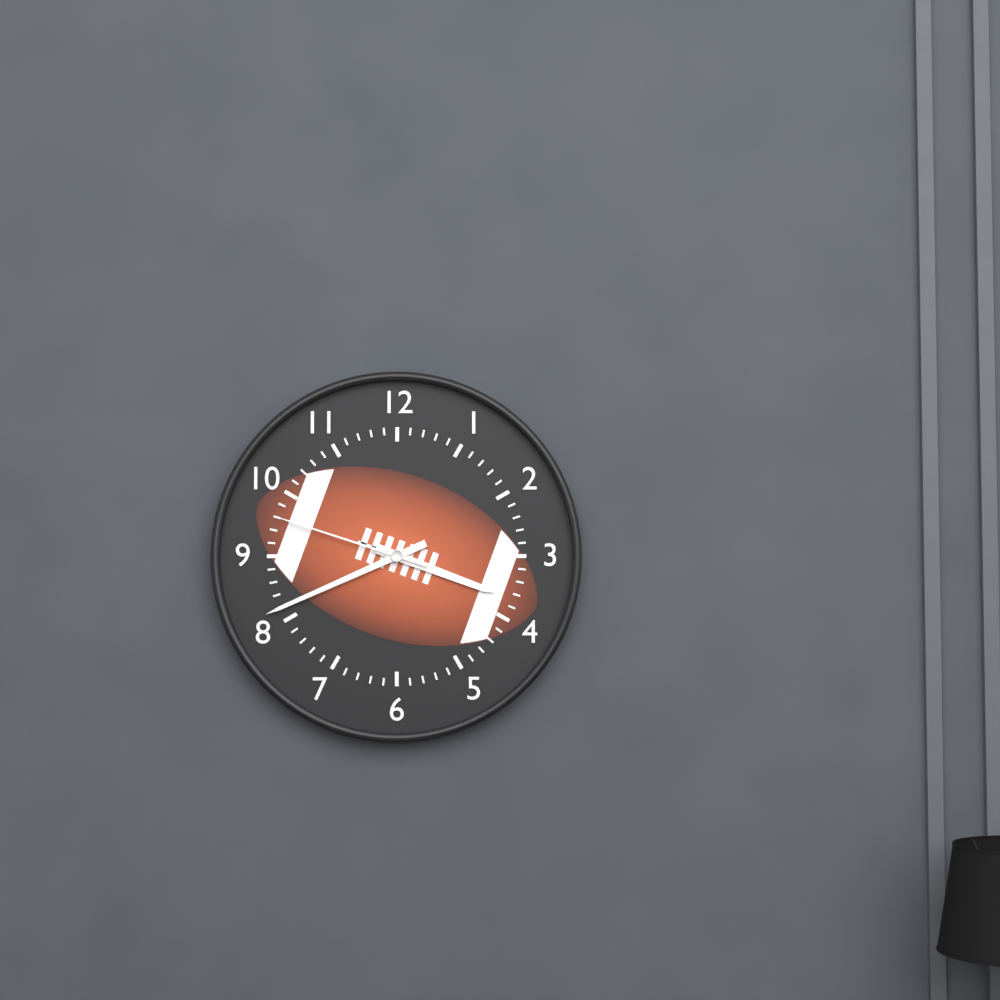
3h41m48s
